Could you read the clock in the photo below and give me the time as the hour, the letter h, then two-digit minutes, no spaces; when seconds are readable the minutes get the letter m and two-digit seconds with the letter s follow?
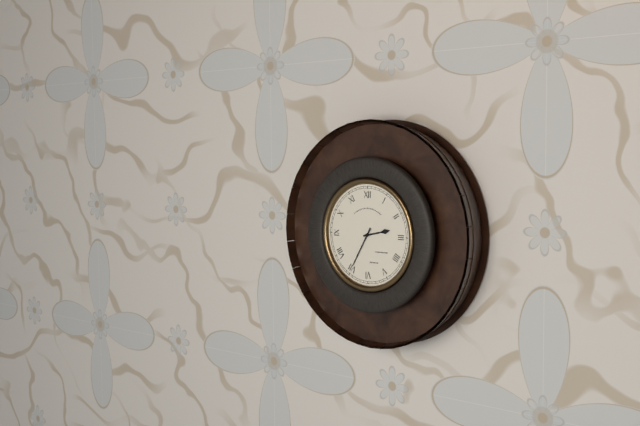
2h35
